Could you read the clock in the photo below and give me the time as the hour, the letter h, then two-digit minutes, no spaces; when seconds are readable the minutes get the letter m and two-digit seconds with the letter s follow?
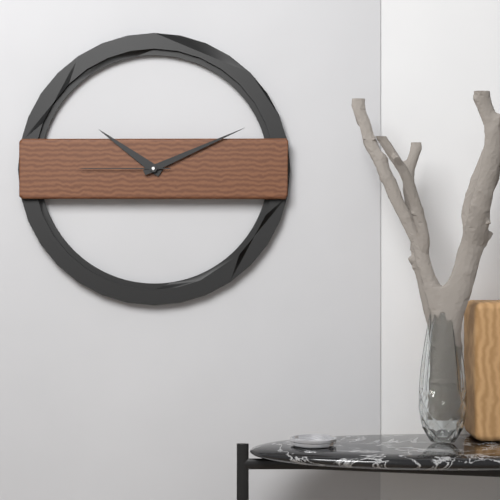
10h11m45s
